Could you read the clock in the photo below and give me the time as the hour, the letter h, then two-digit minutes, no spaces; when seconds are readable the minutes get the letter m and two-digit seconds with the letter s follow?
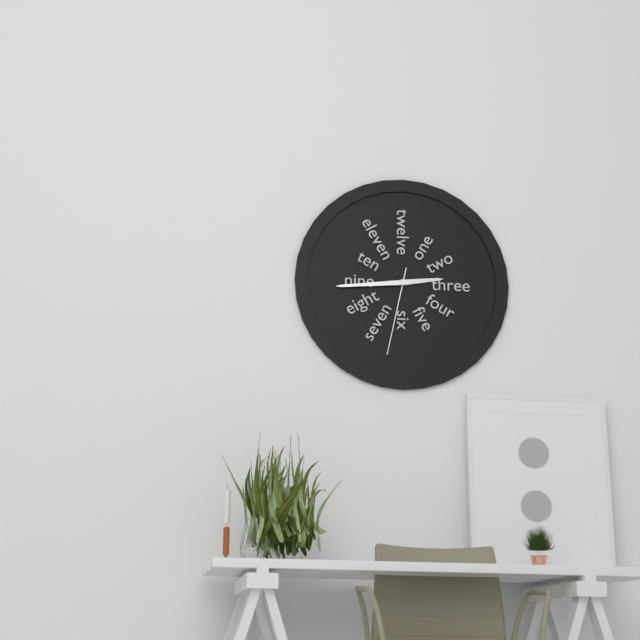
2h44m32s
